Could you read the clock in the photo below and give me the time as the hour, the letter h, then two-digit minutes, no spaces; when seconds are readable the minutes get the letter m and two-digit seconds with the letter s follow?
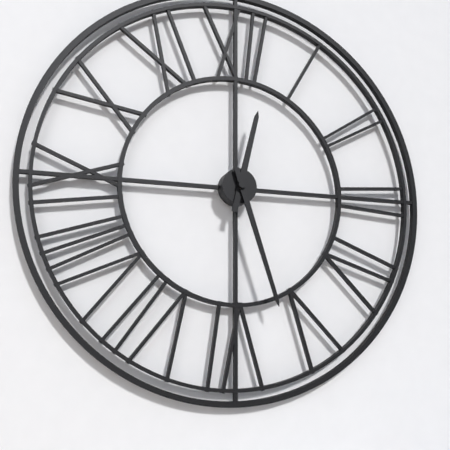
12h27
